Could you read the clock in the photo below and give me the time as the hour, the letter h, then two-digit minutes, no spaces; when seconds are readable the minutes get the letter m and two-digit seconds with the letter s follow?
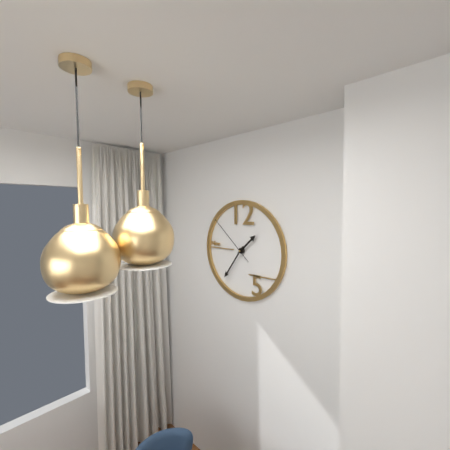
1h36
